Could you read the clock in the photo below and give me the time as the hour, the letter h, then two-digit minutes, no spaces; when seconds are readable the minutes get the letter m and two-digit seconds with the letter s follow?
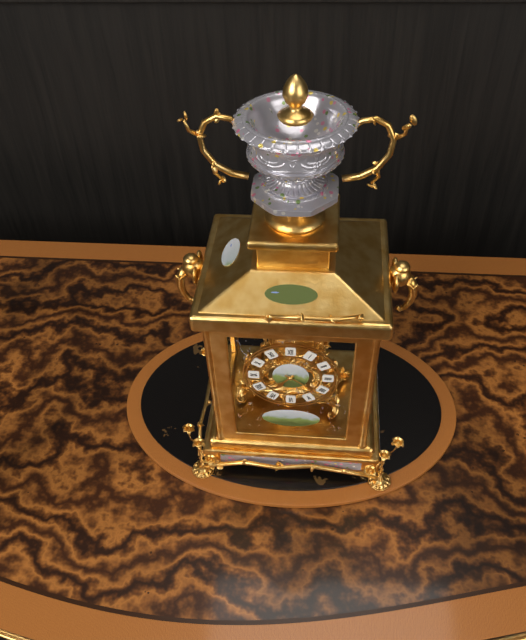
7h21
